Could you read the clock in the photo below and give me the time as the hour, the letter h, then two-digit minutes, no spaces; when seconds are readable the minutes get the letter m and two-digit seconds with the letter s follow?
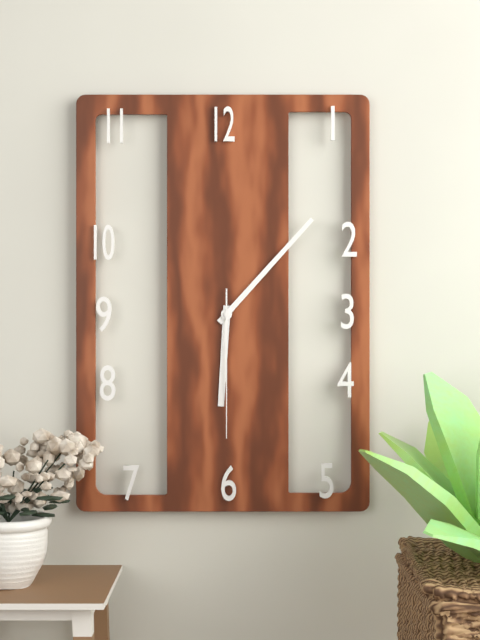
6h07m30s
